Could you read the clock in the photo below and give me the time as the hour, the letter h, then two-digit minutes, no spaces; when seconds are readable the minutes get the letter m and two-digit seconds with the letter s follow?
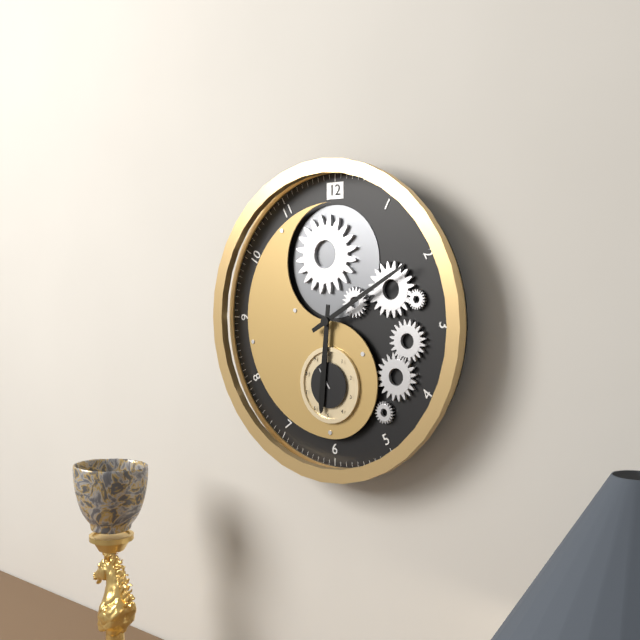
6h10
